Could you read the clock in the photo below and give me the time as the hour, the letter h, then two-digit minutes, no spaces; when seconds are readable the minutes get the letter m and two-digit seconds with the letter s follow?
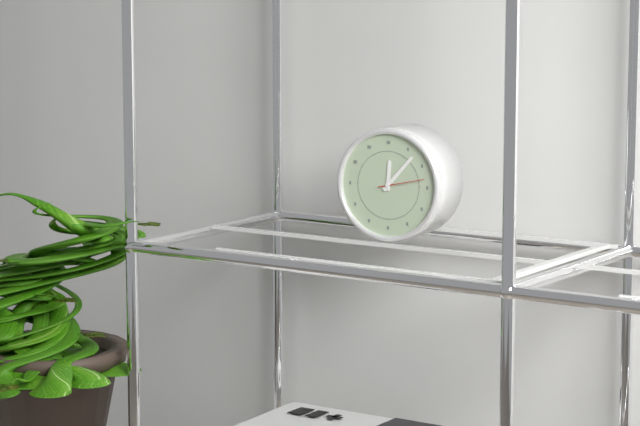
12h07
